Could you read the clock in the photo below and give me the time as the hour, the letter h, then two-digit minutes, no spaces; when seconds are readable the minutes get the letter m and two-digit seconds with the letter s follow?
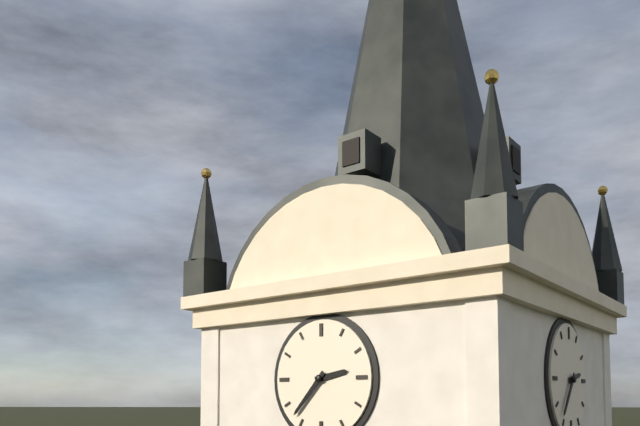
2h37
